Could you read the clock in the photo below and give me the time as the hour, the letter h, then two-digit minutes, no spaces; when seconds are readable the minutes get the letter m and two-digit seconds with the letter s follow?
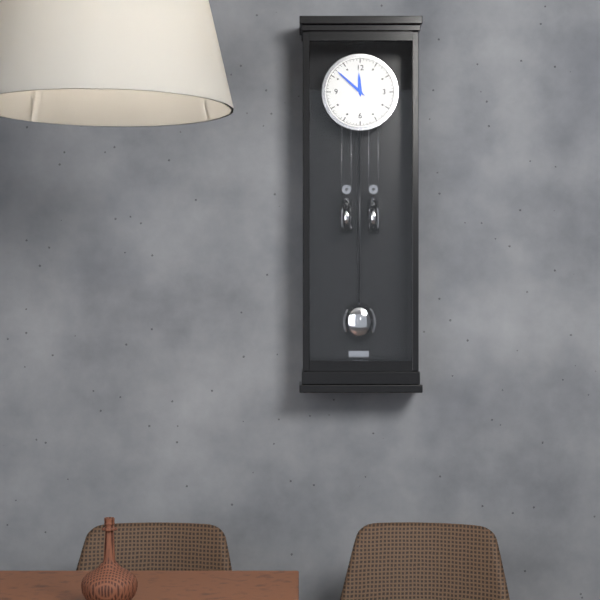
11h52
